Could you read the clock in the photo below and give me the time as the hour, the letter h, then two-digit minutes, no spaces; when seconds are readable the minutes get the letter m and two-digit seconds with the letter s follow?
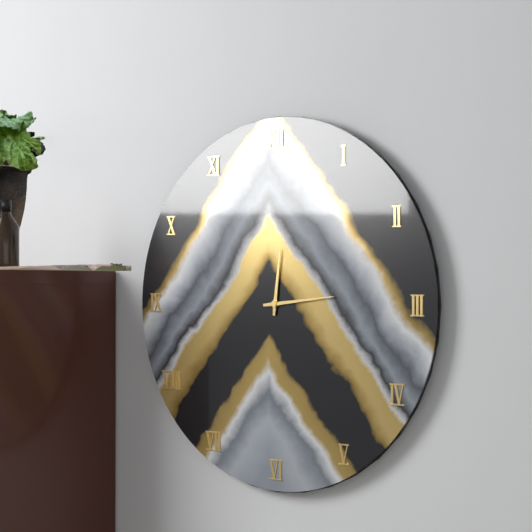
12h14
